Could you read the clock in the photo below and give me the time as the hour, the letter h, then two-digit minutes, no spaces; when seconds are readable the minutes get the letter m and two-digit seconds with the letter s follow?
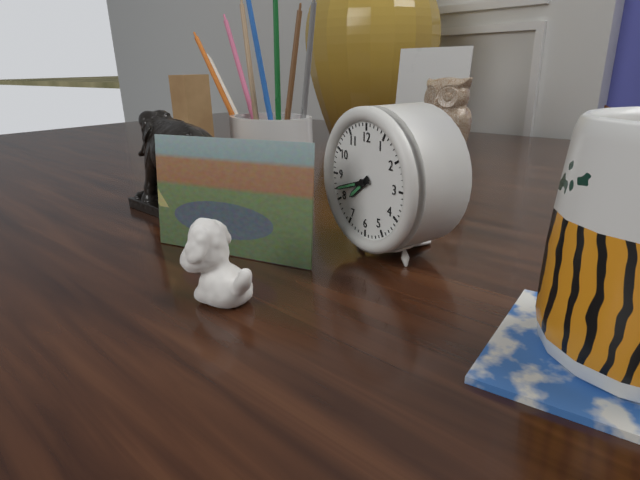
7h42
